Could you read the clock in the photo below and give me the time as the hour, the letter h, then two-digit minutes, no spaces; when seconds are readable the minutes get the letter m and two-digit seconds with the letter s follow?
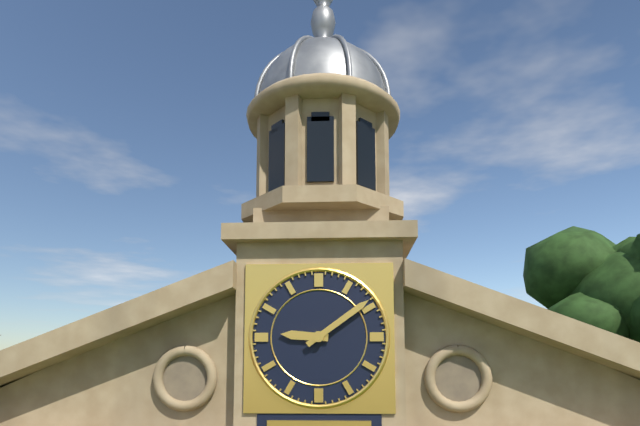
9h09
